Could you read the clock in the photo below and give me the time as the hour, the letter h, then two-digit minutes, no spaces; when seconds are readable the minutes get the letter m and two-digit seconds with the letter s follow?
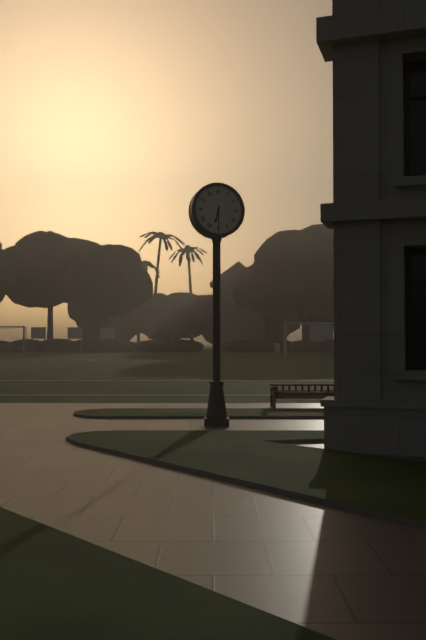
6h30
